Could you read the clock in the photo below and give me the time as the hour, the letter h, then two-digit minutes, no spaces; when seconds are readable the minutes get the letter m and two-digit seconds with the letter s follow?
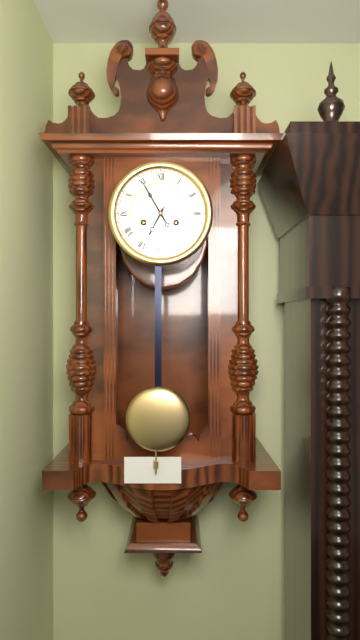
6h55
